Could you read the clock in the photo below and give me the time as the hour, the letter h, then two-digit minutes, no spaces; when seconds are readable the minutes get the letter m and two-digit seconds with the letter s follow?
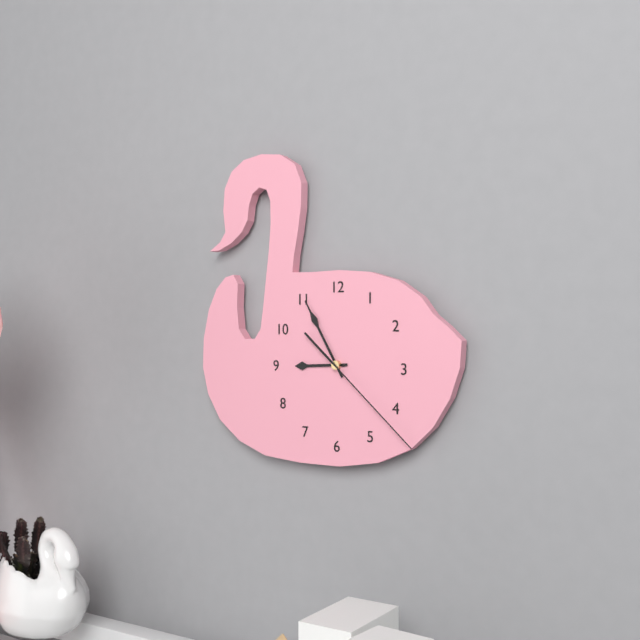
8h55m22s
